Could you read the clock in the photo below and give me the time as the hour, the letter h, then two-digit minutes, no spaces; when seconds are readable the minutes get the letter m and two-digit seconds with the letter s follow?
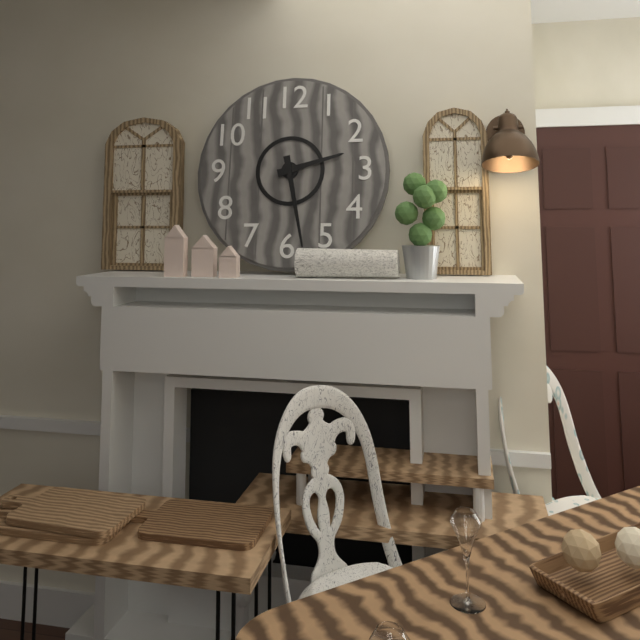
2h28
